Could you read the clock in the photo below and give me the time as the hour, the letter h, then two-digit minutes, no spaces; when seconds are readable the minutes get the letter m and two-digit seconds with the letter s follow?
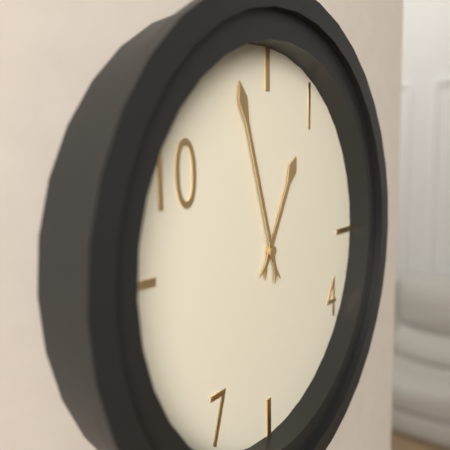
12h57
